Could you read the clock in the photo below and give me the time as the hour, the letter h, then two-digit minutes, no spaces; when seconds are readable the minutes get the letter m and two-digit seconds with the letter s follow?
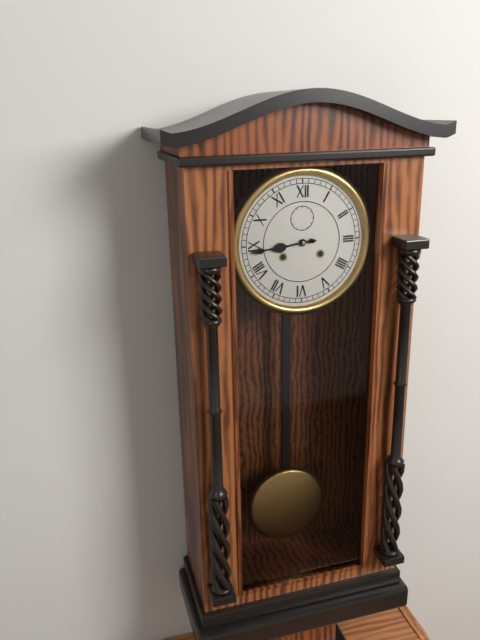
8h44
